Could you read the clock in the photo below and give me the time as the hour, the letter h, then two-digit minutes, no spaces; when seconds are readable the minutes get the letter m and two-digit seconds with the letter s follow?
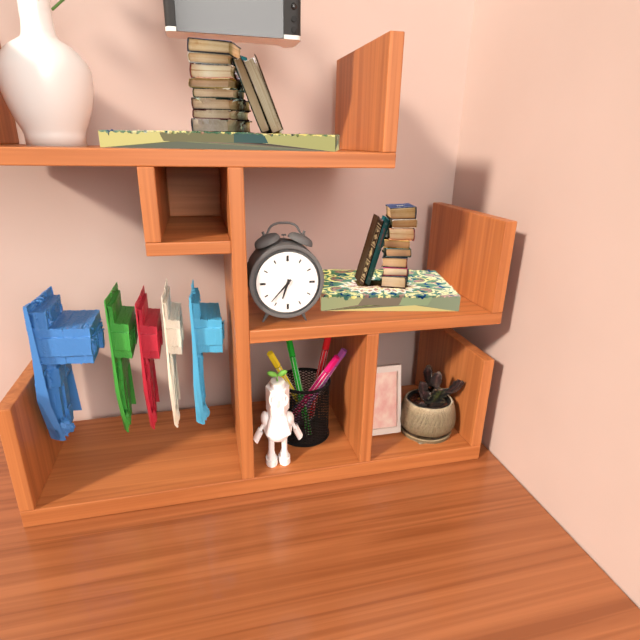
6h37
